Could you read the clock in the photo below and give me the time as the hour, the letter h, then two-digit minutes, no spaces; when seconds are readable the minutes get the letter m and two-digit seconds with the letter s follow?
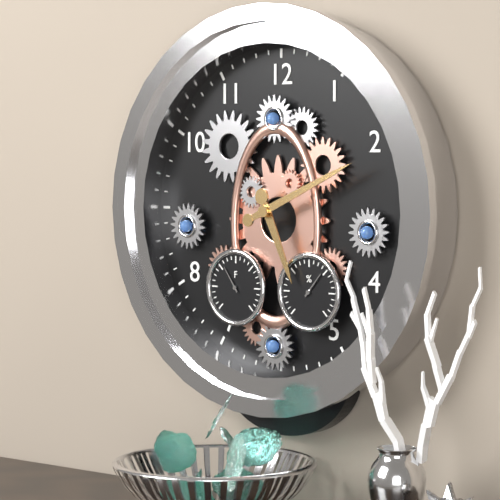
5h11
